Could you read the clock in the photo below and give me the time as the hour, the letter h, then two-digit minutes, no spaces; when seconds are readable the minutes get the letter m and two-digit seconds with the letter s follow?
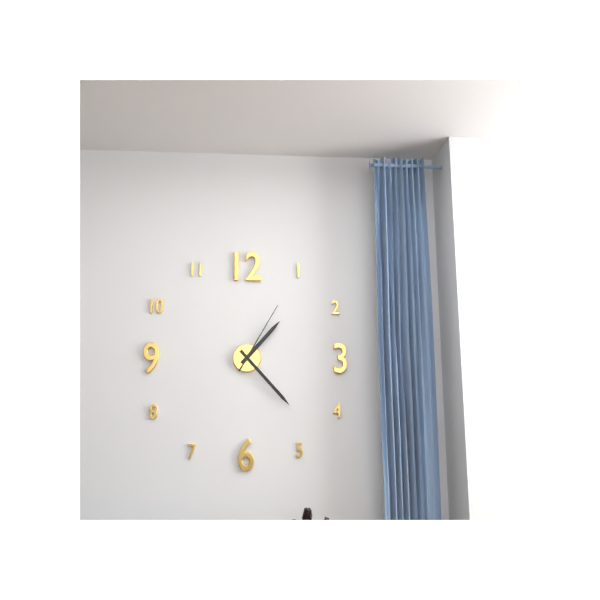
1h23m05s
